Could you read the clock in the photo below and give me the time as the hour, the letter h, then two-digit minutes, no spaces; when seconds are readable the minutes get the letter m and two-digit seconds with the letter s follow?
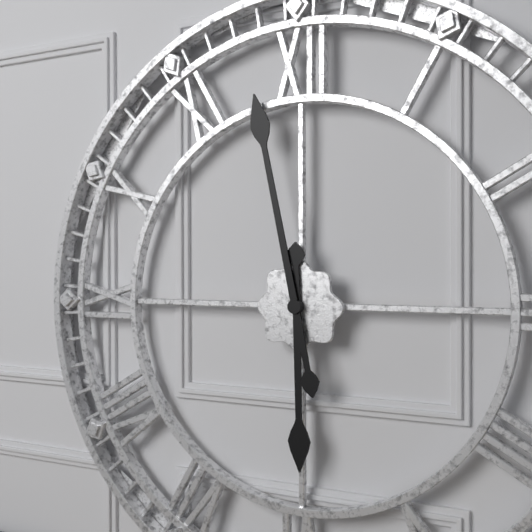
5h58
